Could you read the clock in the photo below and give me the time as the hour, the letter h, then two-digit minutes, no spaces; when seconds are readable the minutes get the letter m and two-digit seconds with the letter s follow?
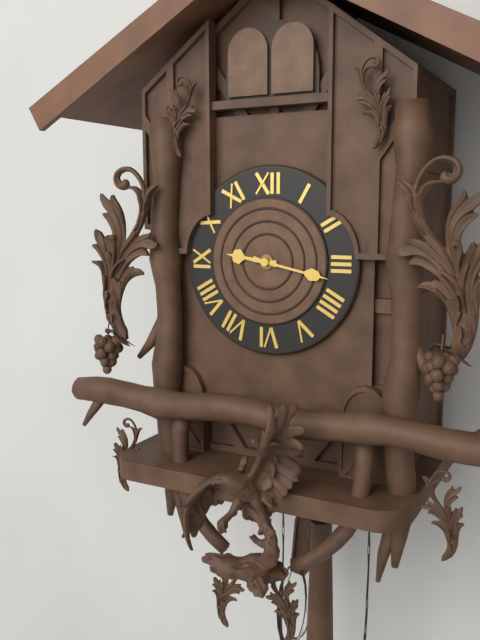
9h17
